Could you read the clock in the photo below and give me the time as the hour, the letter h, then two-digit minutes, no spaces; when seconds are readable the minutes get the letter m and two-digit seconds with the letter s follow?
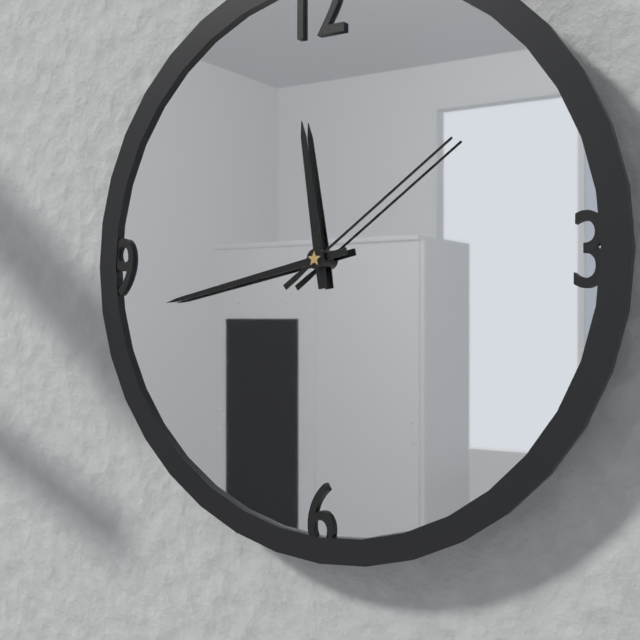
11h43m09s
